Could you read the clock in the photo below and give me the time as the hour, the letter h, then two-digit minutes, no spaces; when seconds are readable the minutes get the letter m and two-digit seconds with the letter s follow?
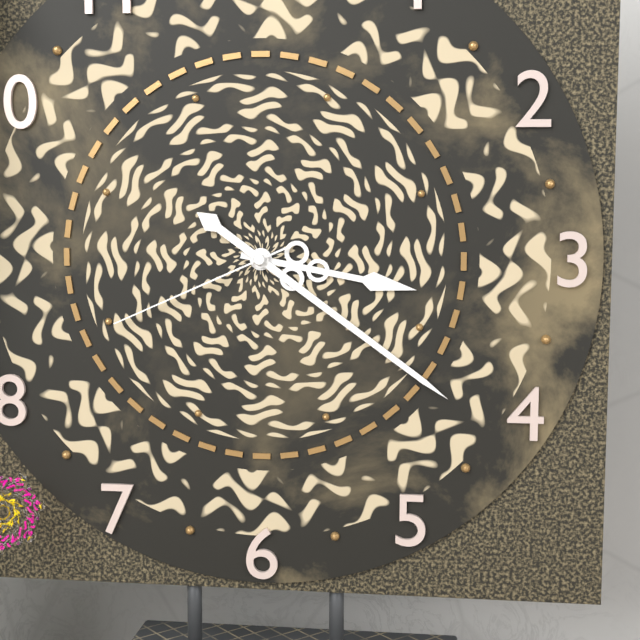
3h21m41s
